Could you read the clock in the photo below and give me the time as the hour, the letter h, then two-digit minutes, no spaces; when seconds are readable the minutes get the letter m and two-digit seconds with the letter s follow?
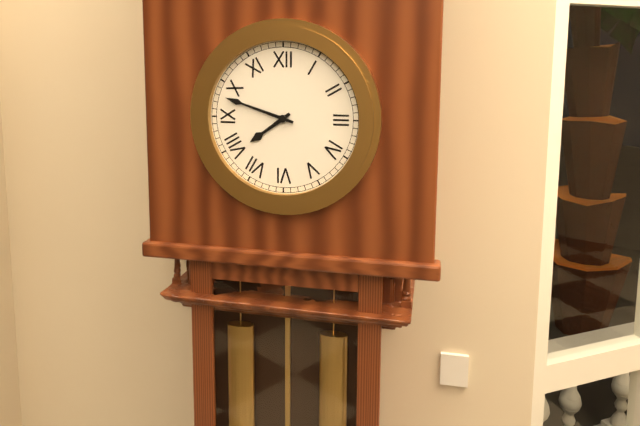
7h48
